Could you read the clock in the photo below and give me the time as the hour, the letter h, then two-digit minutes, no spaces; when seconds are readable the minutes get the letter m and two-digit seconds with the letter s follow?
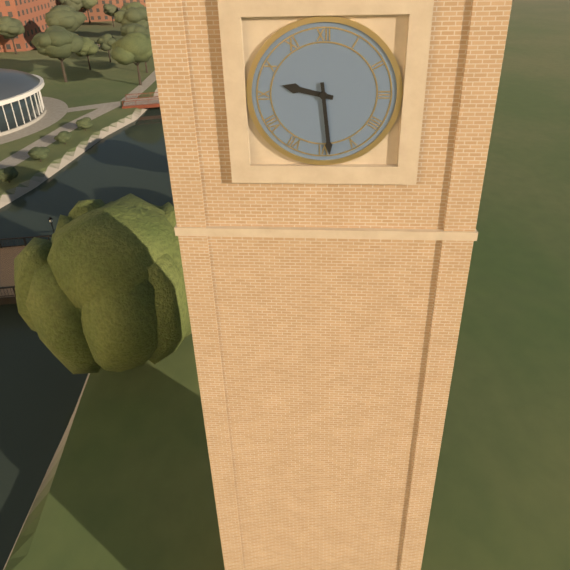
9h29
